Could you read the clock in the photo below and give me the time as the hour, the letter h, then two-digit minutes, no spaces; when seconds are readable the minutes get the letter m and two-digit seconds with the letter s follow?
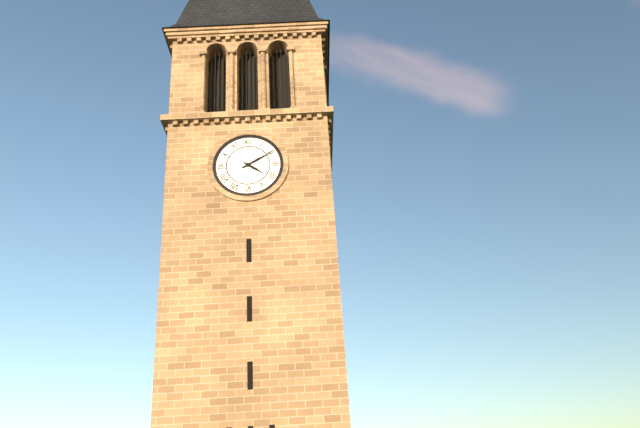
4h10
